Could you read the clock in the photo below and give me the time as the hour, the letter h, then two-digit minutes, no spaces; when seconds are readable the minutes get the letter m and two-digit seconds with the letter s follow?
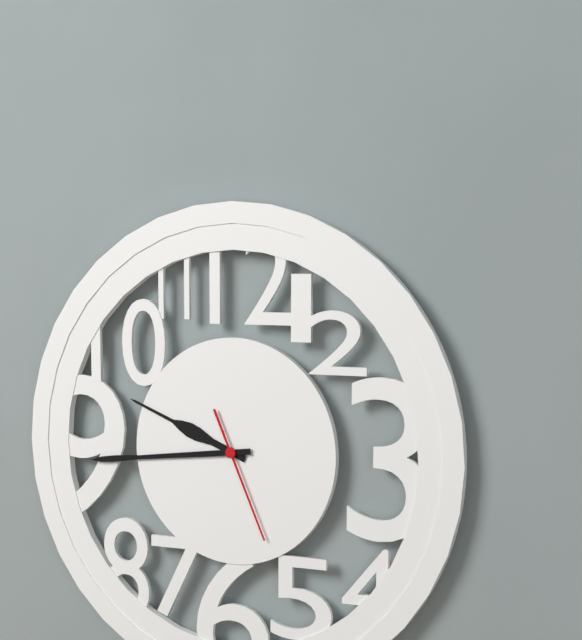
9h44m26s
